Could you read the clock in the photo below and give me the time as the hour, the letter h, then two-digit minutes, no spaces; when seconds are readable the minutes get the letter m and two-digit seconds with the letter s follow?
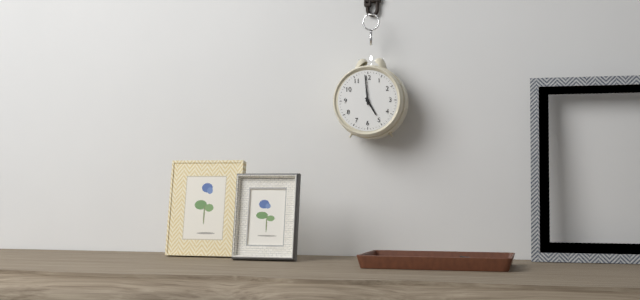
4h59
